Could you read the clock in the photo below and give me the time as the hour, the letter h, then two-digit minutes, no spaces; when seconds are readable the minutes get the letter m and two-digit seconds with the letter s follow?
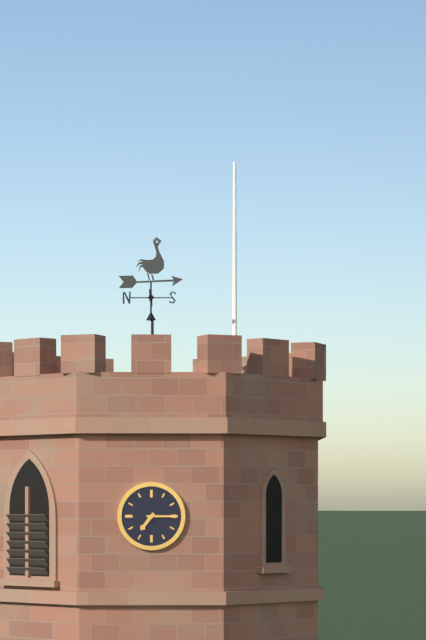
7h15
